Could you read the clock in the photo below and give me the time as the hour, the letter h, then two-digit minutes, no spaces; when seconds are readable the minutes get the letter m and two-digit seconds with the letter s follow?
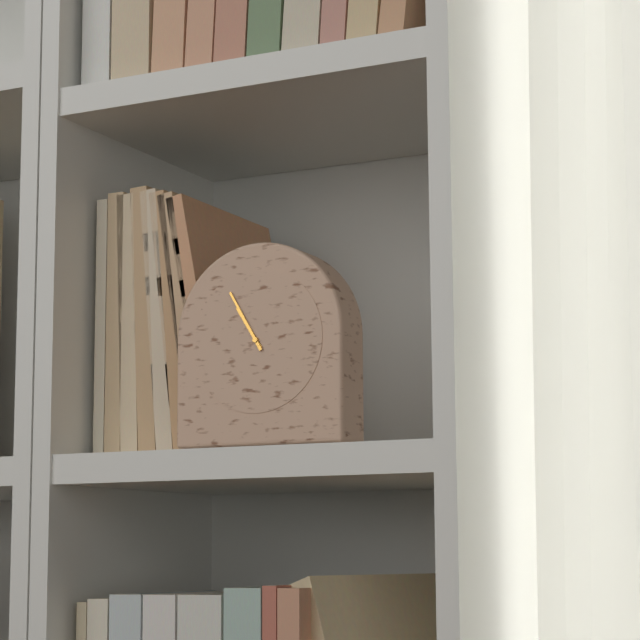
10h55
